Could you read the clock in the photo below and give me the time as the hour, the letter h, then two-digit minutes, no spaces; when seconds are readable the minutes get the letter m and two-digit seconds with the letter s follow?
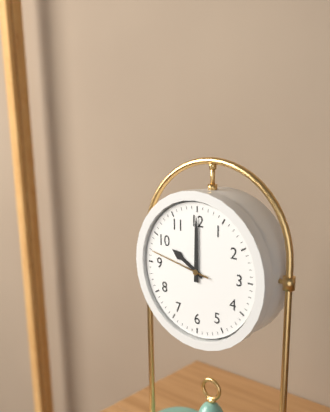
10h00m47s
